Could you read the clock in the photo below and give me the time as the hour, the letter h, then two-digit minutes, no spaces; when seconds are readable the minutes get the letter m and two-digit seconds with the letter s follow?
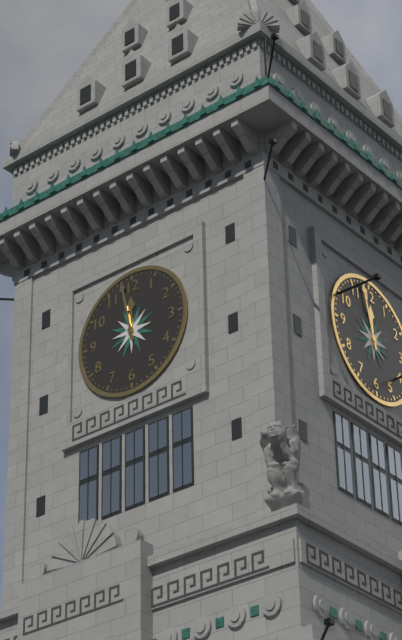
11h58
